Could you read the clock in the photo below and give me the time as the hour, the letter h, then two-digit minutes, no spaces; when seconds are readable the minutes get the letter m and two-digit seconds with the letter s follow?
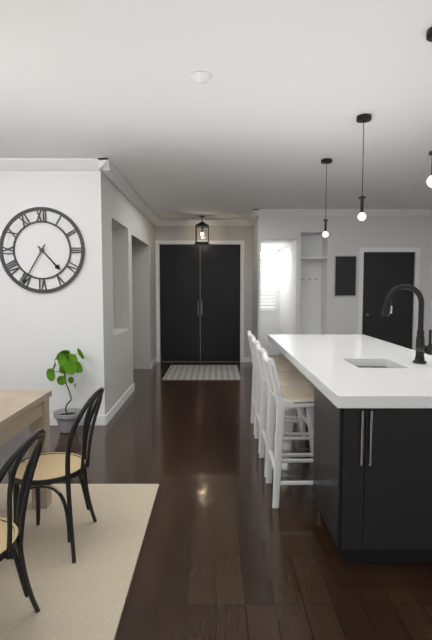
4h35
